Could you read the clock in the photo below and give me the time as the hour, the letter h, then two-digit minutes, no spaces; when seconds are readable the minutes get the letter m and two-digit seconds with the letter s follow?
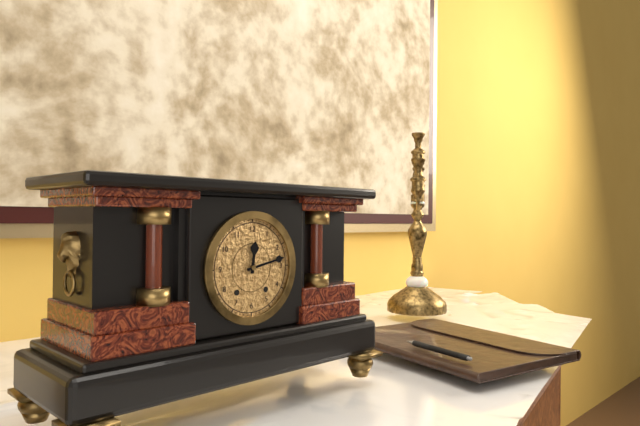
12h13
